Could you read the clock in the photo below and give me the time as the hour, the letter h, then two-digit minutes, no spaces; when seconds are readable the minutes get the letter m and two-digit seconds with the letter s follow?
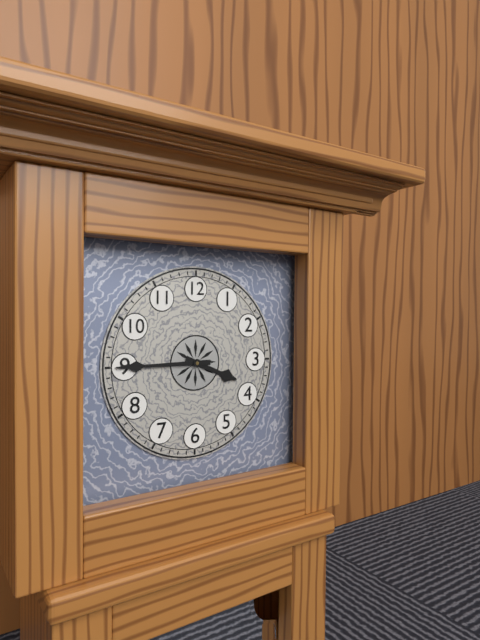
3h45
